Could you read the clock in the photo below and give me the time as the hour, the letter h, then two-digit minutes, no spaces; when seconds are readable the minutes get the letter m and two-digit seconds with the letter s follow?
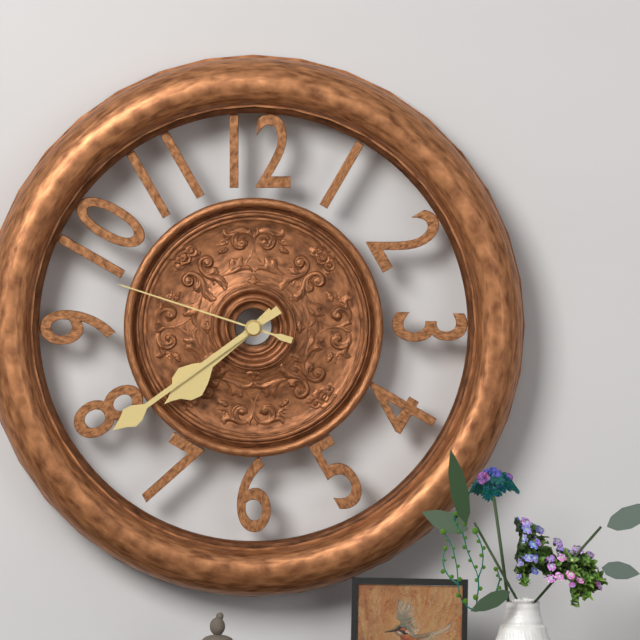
7h39m48s
